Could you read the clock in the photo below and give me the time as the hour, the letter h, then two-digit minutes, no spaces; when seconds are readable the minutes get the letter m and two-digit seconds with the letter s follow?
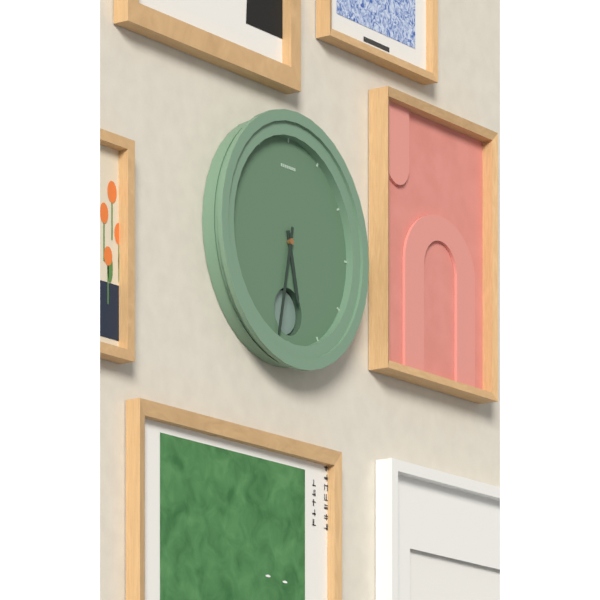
5h32
